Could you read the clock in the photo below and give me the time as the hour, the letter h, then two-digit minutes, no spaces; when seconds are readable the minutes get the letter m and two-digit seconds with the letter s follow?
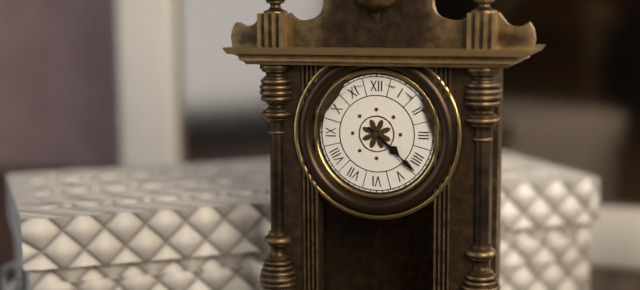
4h22
